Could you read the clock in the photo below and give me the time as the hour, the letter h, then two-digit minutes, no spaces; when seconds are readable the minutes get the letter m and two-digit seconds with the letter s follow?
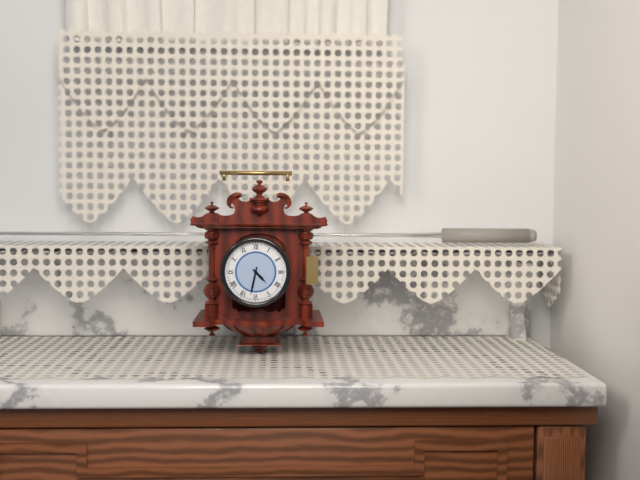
4h32
